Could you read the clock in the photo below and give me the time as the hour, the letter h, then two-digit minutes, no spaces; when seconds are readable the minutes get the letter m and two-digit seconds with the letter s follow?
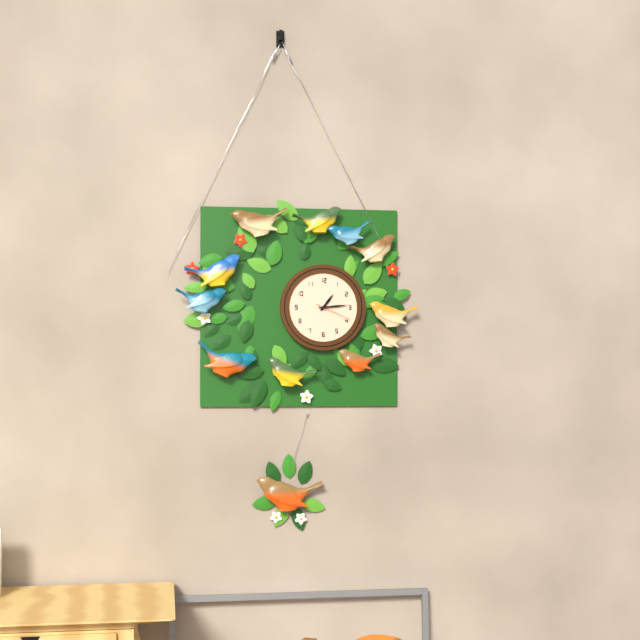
1h14
